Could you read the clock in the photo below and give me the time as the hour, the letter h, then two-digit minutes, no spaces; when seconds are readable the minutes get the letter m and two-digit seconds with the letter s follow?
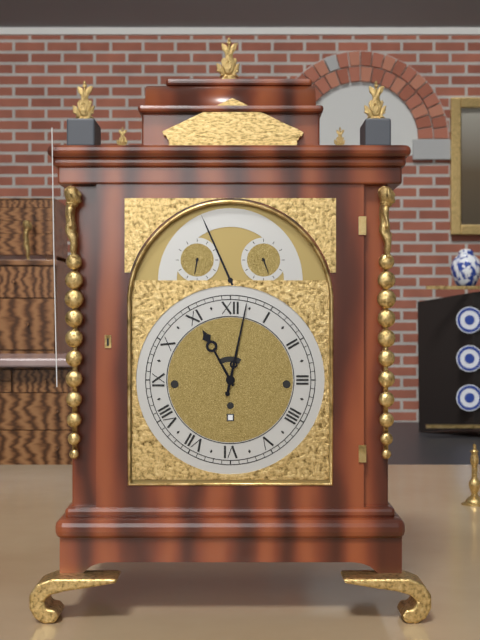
11h02
